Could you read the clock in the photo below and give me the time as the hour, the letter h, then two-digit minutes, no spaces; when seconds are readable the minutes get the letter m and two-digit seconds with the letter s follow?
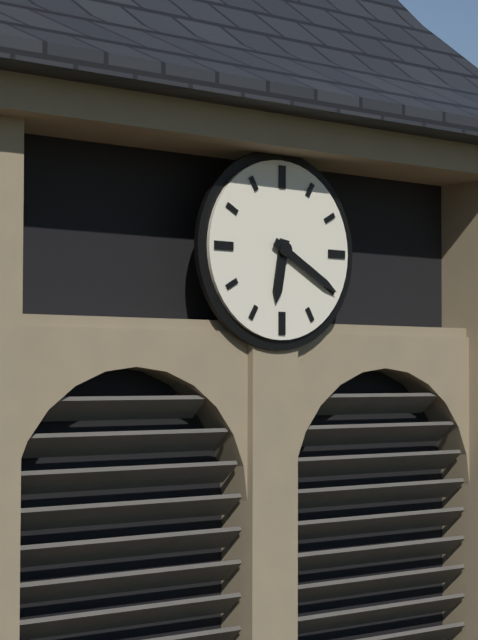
6h20
